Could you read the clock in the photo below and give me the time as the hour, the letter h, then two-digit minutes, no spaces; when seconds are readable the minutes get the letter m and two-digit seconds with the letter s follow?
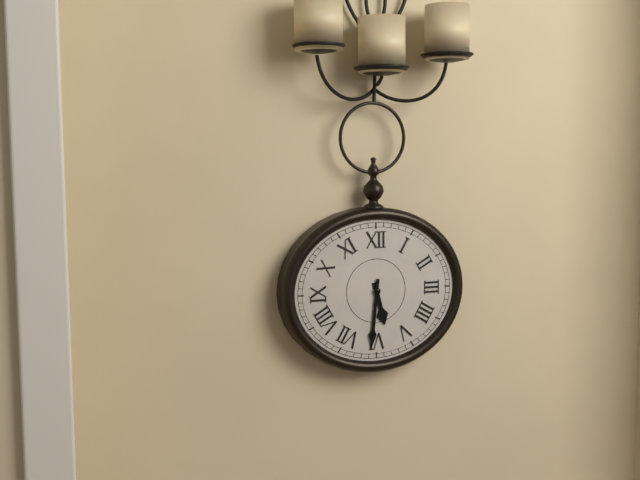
5h31
